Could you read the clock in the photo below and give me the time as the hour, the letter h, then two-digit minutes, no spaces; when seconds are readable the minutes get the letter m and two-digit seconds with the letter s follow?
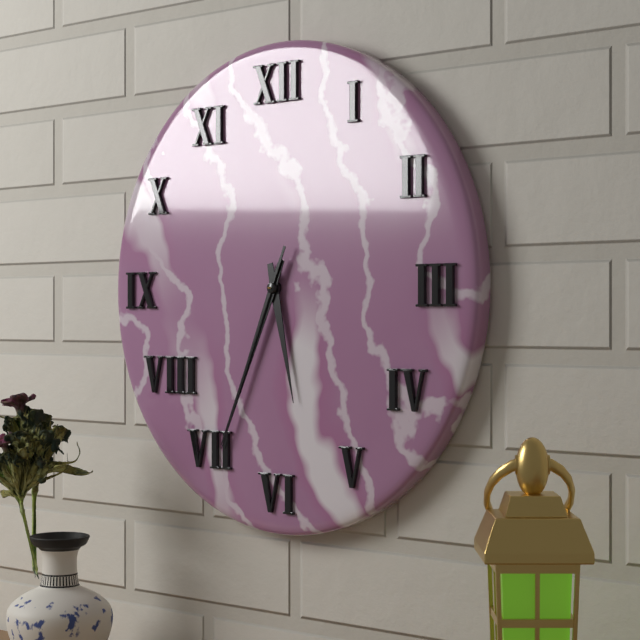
5h34m34s
